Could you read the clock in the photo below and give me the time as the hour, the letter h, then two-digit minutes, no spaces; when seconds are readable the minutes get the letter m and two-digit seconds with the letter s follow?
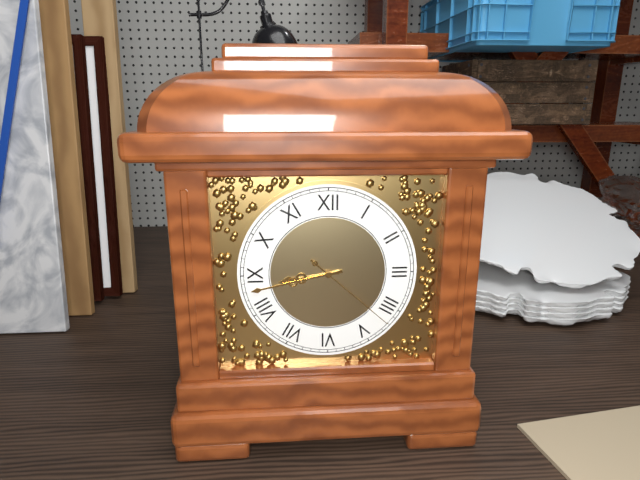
8h43m22s
